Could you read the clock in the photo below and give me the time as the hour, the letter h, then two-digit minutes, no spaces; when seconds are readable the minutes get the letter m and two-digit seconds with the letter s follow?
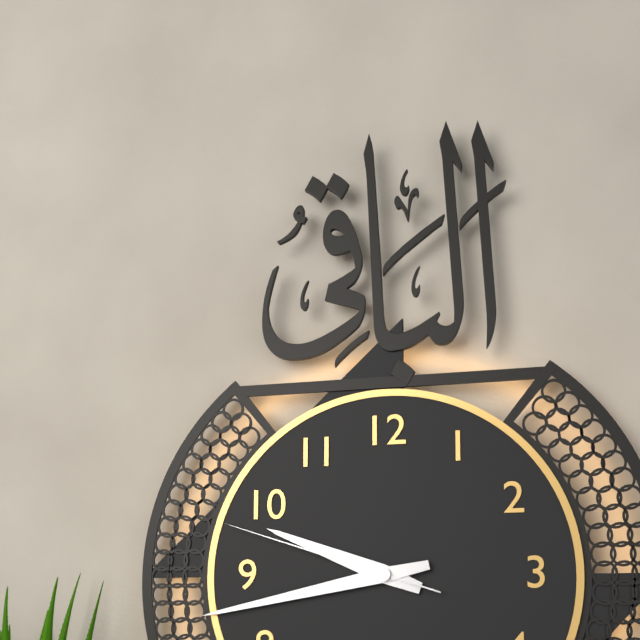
9h43m48s
